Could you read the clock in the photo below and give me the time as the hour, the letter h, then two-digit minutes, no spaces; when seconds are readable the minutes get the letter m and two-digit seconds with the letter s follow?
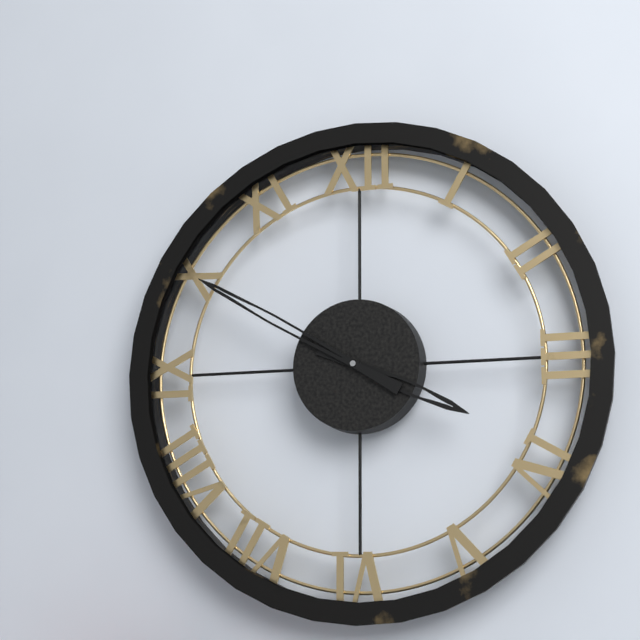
3h50
